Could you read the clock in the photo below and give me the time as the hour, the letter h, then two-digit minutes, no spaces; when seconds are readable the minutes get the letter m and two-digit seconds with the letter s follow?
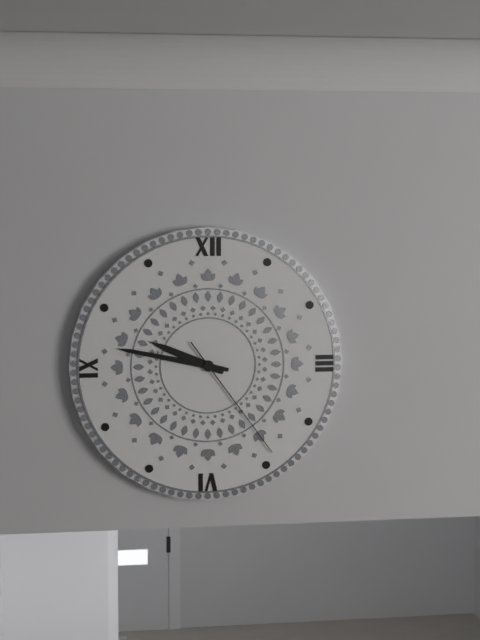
9h47m24s
